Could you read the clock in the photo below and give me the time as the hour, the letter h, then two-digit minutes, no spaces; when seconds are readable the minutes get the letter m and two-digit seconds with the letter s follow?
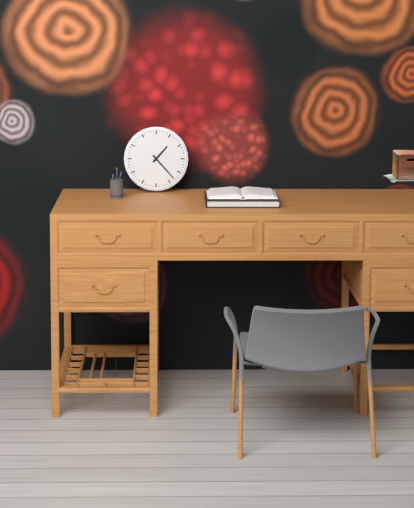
1h23
